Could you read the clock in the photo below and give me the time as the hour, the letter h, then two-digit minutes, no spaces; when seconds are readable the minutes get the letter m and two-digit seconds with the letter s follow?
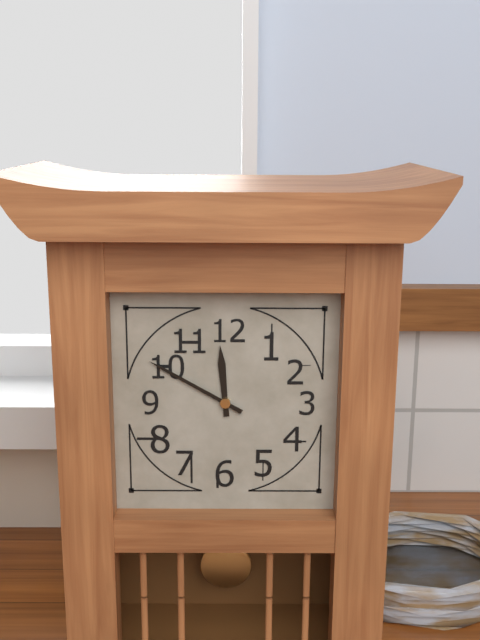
11h50
